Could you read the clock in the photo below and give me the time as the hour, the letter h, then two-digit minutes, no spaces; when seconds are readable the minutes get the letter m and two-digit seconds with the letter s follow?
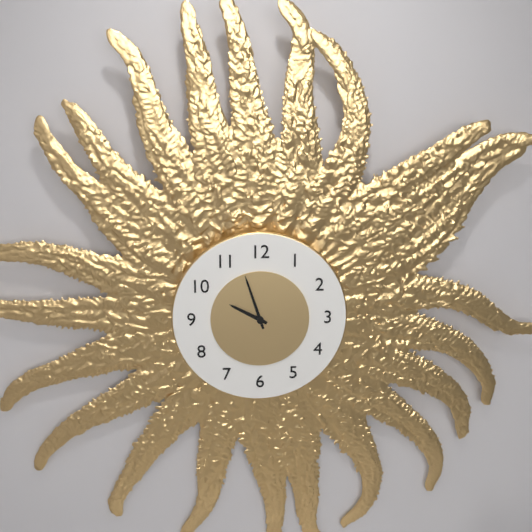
9h57
